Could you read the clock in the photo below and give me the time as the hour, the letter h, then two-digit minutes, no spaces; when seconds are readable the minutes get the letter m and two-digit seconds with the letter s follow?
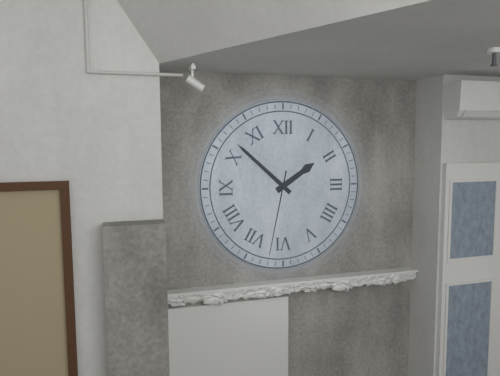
1h52m32s
